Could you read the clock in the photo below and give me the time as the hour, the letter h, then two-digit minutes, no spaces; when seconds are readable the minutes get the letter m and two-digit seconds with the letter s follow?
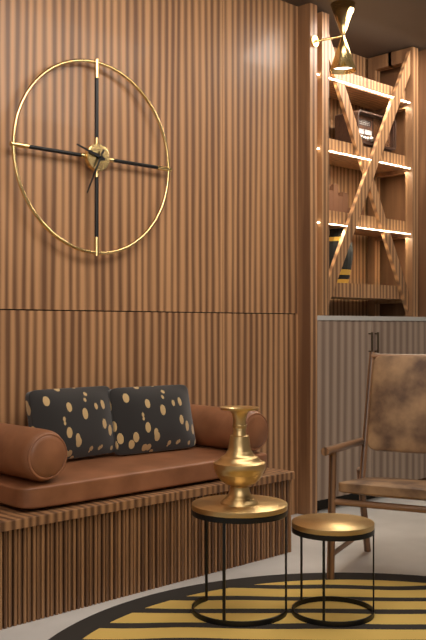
9h34
